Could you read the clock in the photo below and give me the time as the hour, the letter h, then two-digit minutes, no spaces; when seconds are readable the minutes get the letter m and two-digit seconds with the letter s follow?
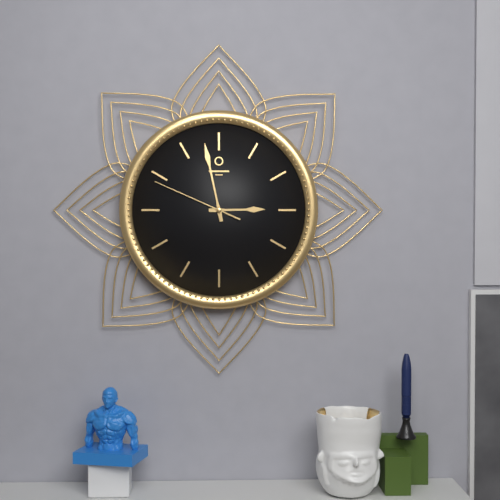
2h58m49s
